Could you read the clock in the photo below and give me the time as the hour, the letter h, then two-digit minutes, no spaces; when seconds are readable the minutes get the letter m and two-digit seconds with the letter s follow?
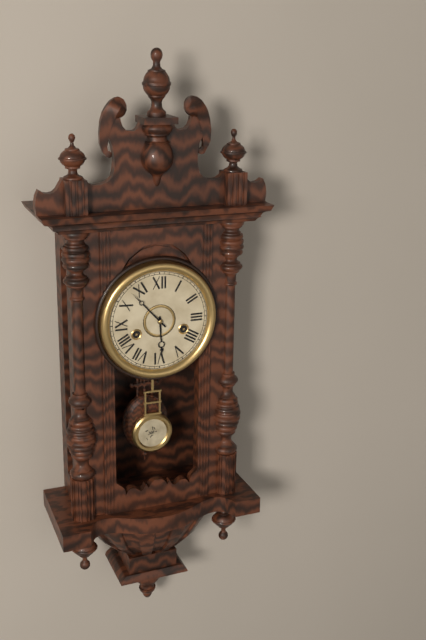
5h53
